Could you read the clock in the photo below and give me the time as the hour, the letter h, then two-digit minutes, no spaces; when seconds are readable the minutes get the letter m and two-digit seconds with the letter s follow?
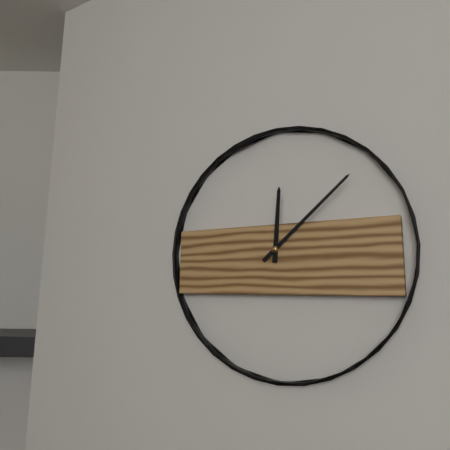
12h08
